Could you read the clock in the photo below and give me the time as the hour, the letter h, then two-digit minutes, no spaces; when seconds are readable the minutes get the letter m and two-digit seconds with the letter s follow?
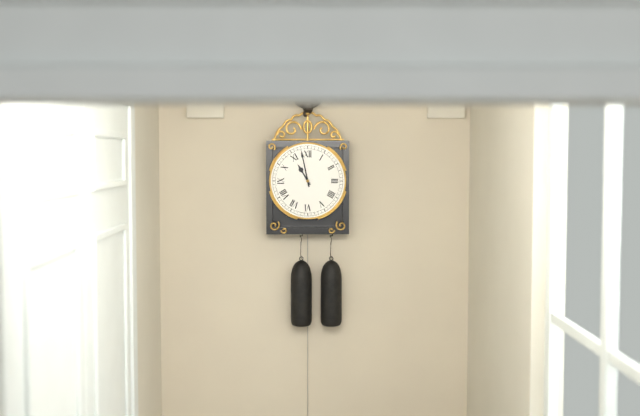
10h58
